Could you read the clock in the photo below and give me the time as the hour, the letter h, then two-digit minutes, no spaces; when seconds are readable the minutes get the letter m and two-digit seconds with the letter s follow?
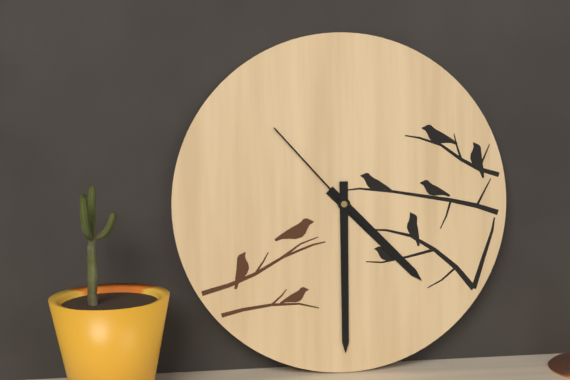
4h30m53s
